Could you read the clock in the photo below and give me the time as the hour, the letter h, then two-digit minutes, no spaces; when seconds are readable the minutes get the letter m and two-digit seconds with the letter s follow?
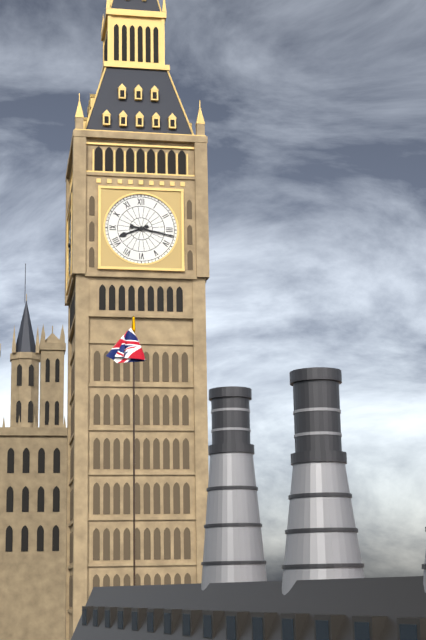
8h17
